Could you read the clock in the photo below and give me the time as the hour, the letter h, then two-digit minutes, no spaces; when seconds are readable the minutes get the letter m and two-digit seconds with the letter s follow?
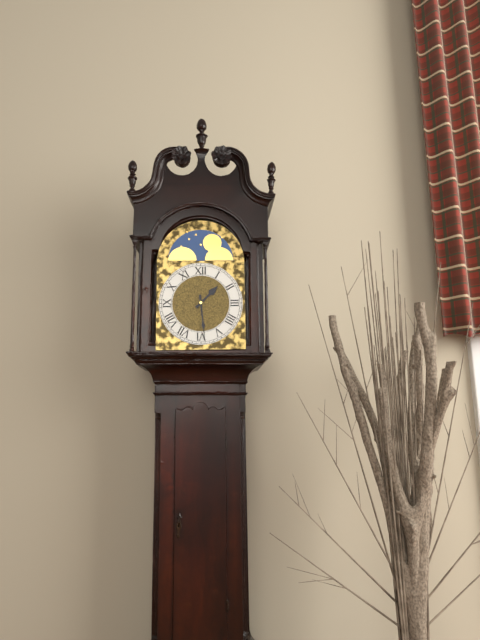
1h29
